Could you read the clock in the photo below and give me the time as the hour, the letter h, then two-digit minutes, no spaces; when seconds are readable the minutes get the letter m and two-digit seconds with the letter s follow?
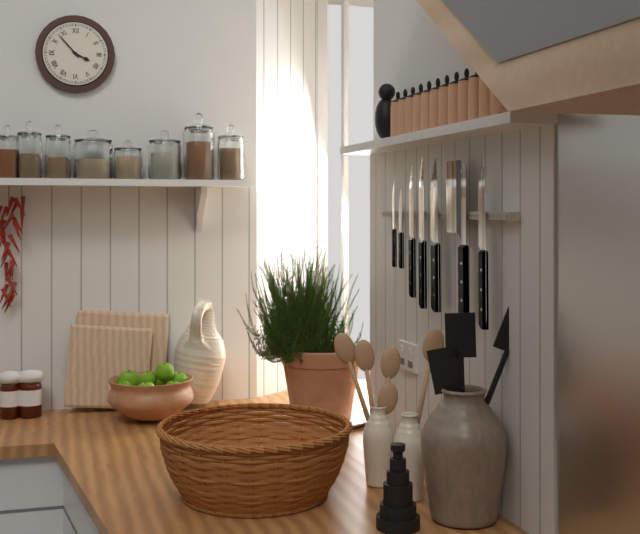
3h53
